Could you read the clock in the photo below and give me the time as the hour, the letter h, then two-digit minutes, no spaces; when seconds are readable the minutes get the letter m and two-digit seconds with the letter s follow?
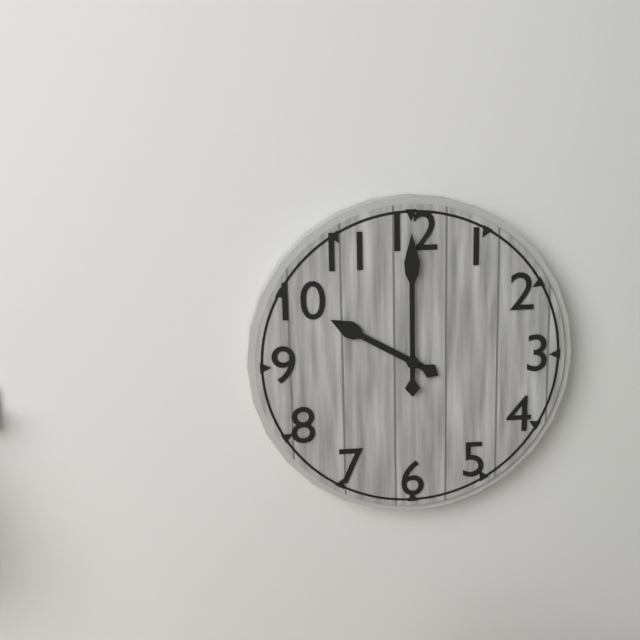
10h00
